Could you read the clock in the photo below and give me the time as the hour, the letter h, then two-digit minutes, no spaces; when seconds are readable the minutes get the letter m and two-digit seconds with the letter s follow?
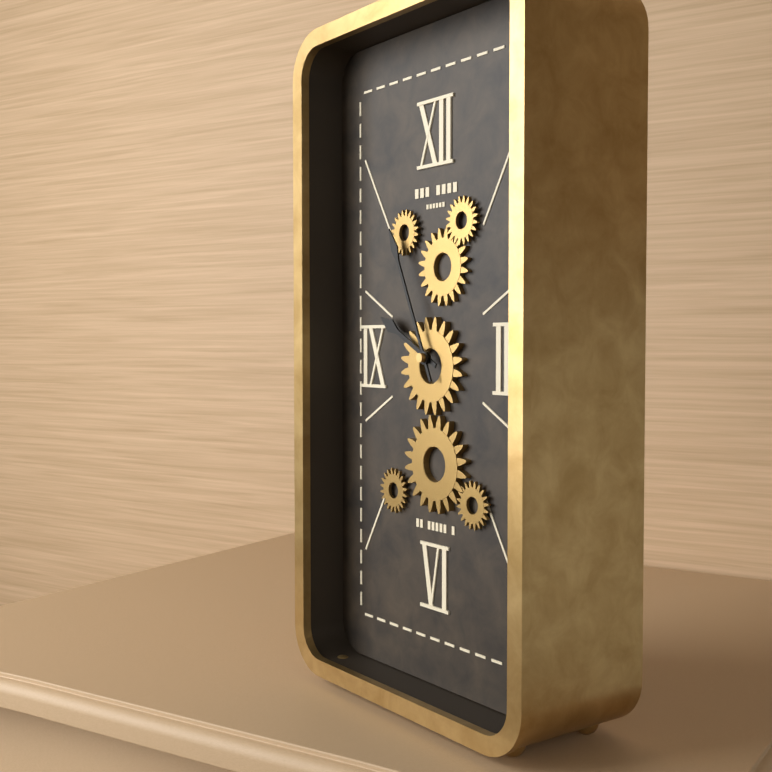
9h56
